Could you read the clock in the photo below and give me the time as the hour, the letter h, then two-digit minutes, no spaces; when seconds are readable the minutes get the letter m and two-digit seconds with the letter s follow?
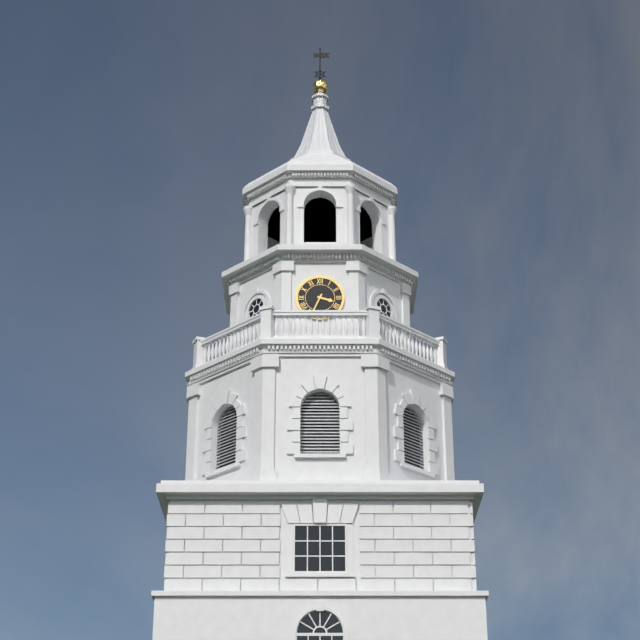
3h34
